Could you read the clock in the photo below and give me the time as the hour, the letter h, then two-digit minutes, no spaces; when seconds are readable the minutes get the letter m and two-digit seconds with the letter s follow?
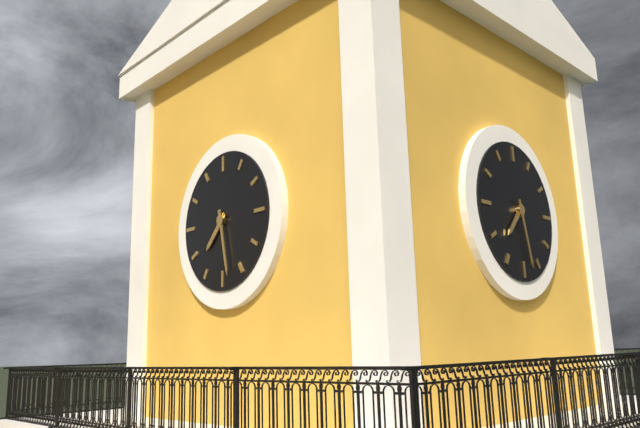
7h28
